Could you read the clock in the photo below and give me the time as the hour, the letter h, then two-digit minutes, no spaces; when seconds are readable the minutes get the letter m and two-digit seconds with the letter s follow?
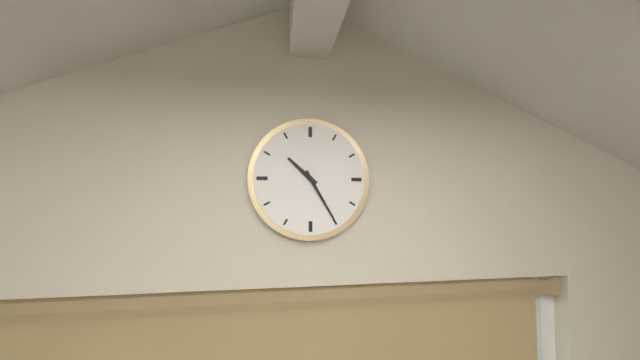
10h25
